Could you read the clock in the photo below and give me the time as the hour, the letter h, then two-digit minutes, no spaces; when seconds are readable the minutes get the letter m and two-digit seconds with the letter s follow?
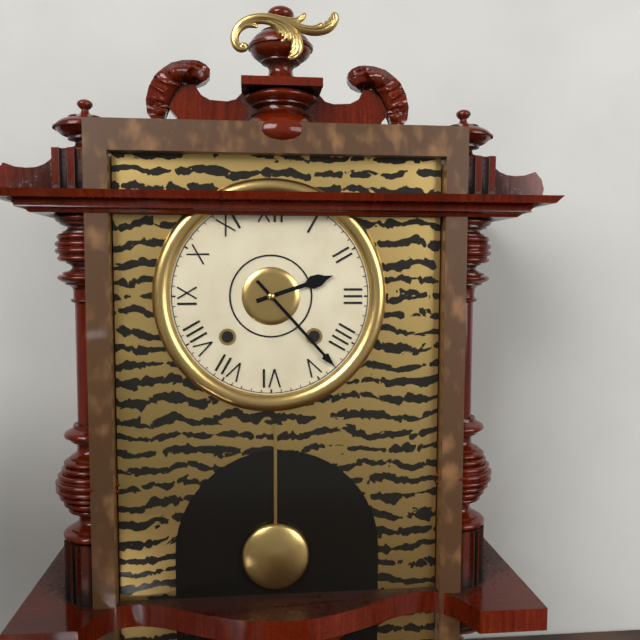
2h23
